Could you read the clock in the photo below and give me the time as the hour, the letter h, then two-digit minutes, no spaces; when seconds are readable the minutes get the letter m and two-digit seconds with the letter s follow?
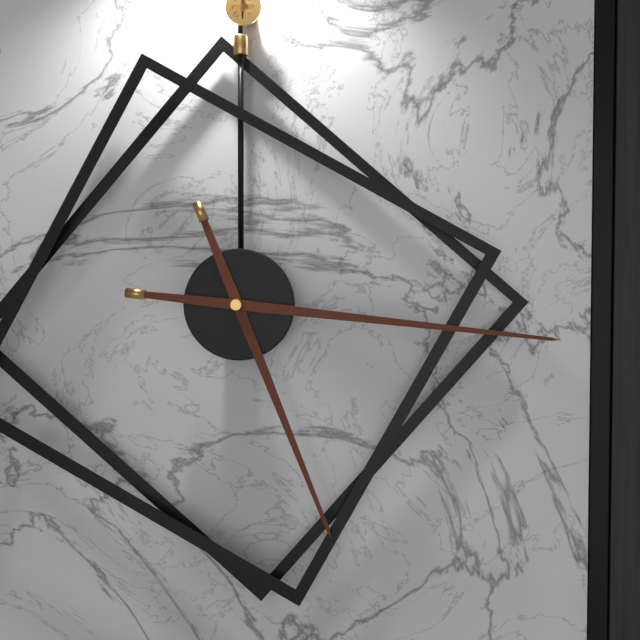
5h16
